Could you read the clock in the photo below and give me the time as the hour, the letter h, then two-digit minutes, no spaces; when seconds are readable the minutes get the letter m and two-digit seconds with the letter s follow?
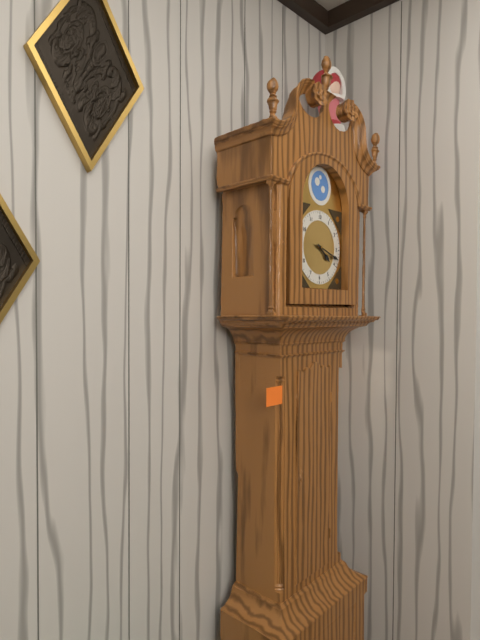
4h18
